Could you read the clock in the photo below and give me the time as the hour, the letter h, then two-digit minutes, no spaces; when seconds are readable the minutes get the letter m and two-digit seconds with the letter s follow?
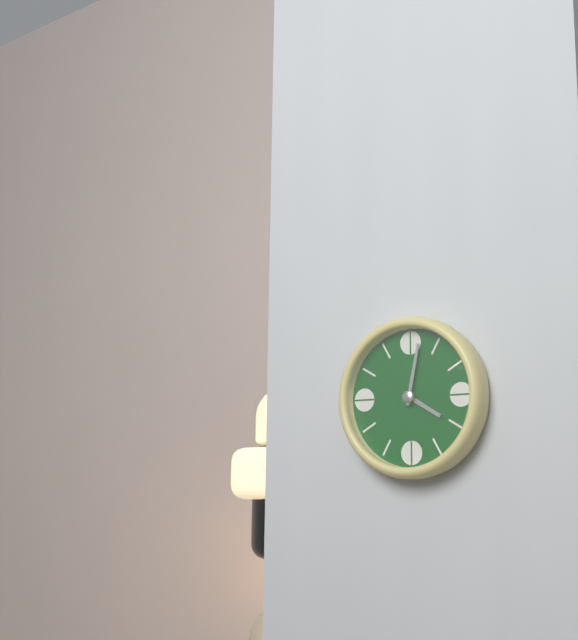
4h02
